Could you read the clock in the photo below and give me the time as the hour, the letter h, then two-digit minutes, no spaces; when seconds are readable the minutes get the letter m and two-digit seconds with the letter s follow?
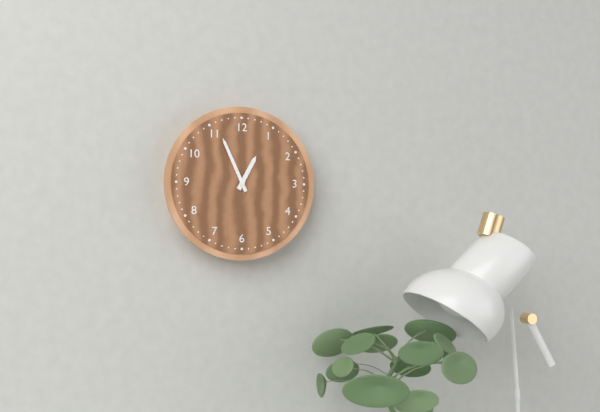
12h56
